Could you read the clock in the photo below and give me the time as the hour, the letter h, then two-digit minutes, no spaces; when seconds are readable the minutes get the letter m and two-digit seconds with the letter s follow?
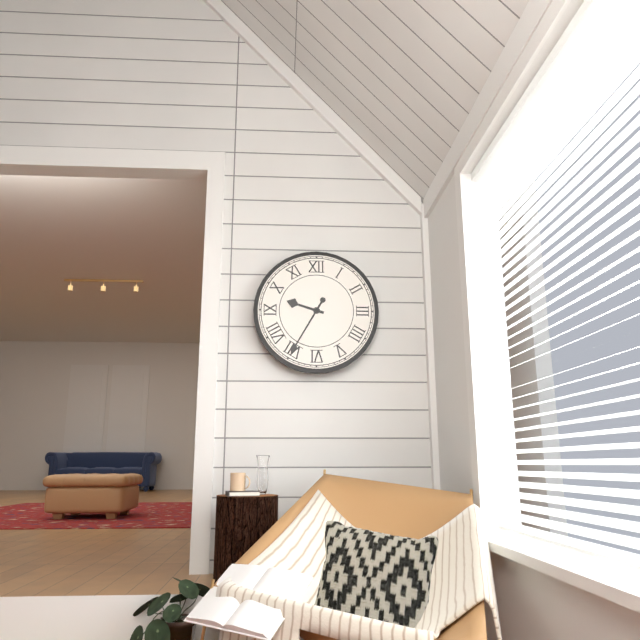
9h35
